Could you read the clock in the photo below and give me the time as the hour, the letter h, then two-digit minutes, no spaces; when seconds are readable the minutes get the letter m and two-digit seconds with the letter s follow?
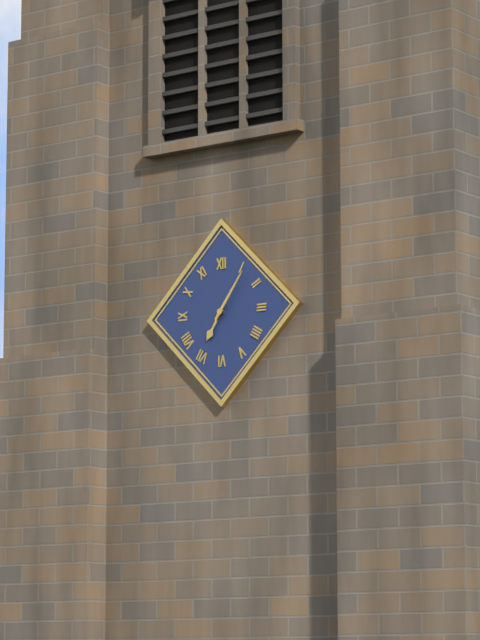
7h06
